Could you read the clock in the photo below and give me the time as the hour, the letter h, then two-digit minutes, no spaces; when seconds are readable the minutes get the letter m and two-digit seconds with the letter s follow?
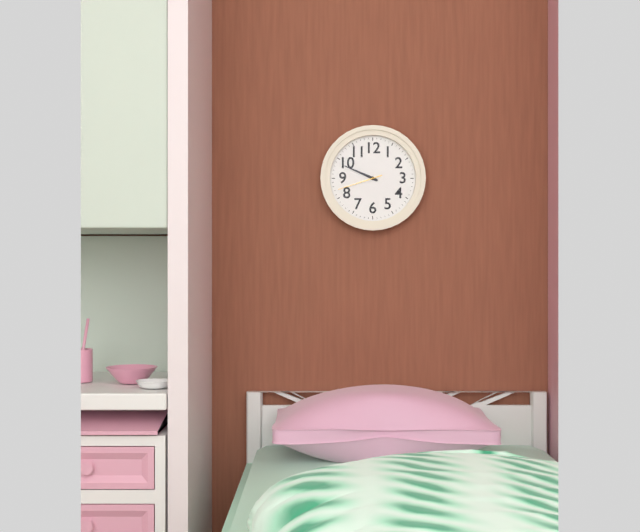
9h49
